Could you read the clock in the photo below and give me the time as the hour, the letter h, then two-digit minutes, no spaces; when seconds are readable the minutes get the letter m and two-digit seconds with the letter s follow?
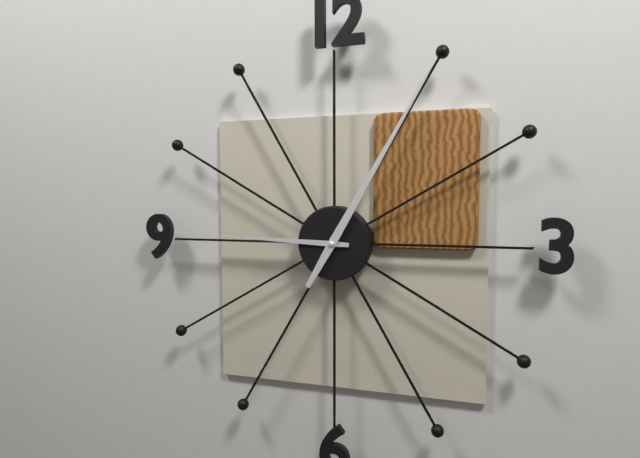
9h05
